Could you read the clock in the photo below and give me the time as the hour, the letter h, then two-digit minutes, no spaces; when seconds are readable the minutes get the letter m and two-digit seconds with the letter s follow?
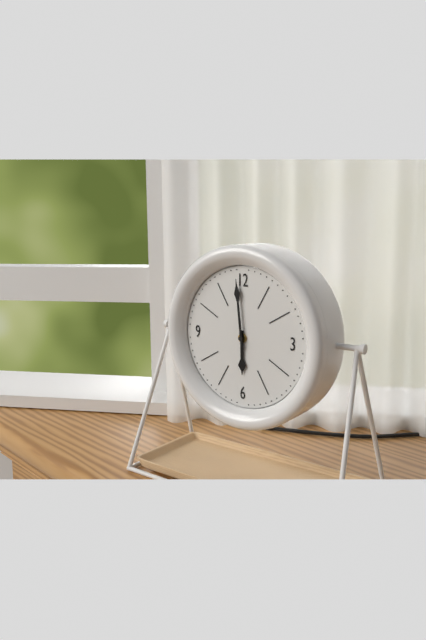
5h59
